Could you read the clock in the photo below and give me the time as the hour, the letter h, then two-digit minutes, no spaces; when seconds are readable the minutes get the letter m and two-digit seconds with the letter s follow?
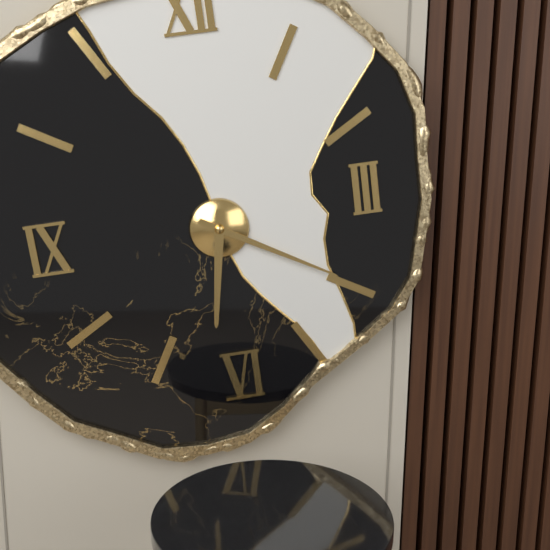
6h20
